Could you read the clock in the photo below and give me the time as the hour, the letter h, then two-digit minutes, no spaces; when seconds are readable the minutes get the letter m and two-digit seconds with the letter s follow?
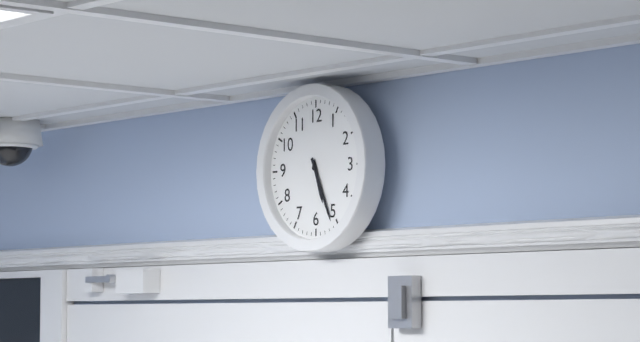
5h26
